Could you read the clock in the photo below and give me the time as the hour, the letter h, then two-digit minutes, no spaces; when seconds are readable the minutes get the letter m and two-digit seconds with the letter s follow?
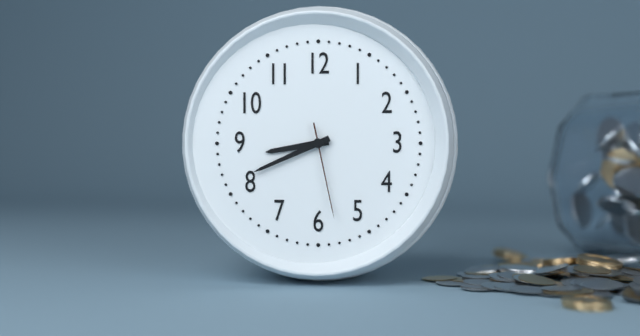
8h41m28s
